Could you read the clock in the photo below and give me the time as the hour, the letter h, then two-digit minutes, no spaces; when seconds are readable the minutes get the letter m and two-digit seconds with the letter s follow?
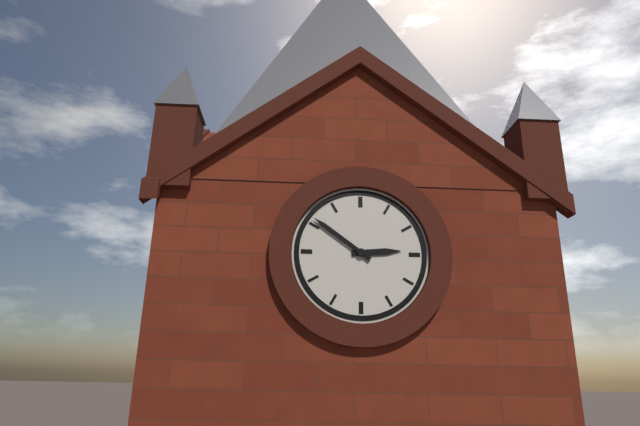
2h51
